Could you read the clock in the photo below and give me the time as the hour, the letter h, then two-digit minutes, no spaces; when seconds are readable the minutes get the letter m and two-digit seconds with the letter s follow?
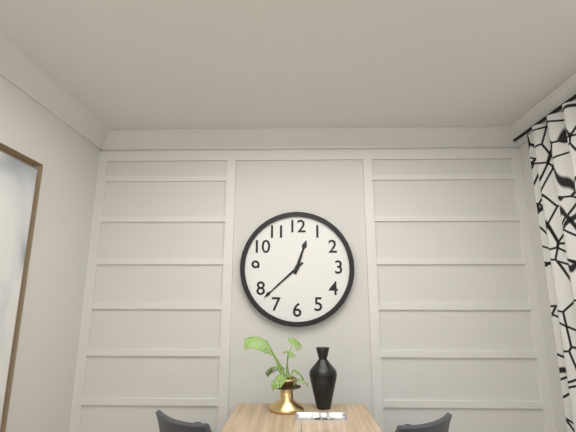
12h38
